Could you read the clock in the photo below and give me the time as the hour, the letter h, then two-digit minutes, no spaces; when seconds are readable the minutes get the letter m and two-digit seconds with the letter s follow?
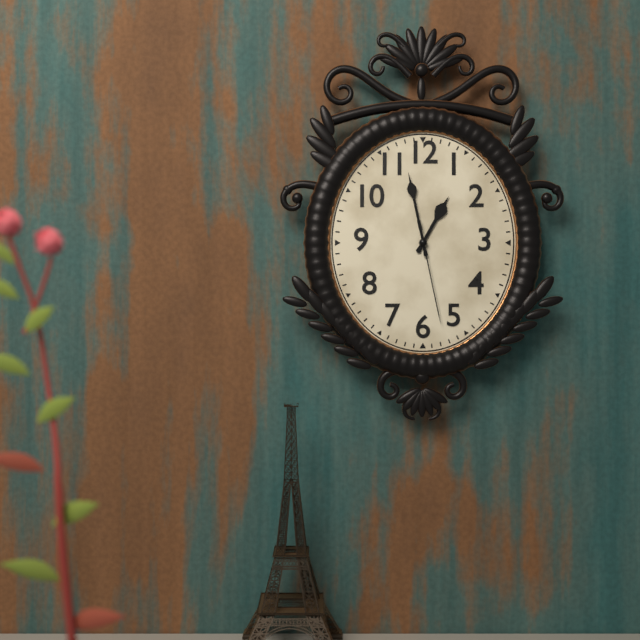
12h58m28s
